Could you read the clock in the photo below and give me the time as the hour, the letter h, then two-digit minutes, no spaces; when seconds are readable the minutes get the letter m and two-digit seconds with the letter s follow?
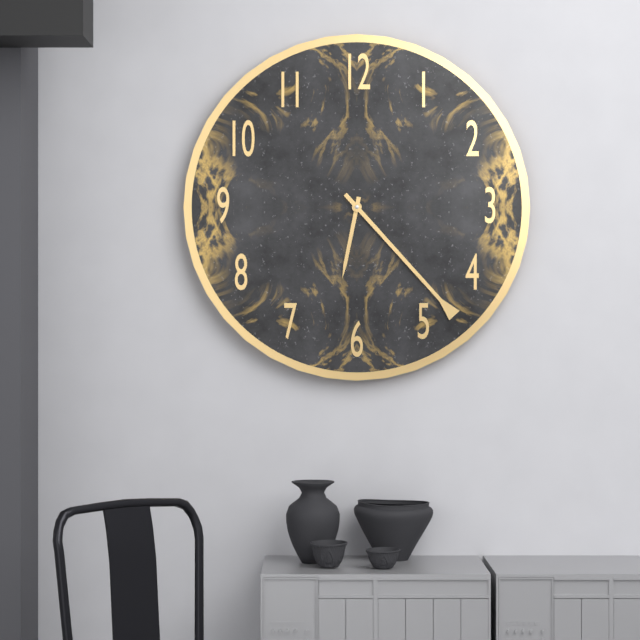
6h23m23s
